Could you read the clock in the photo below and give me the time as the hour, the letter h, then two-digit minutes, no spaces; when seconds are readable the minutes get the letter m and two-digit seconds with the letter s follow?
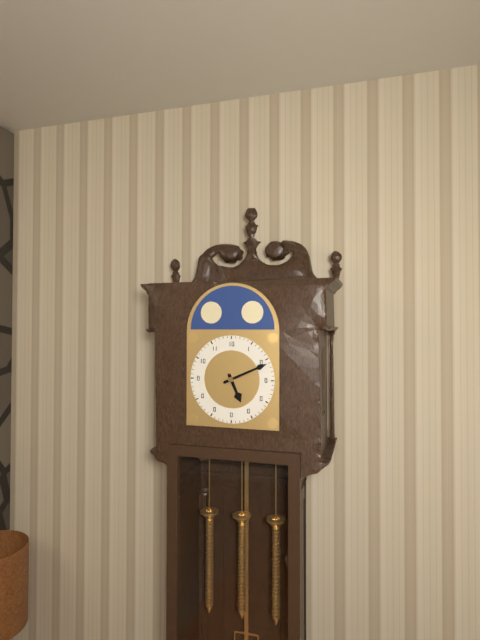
5h11
